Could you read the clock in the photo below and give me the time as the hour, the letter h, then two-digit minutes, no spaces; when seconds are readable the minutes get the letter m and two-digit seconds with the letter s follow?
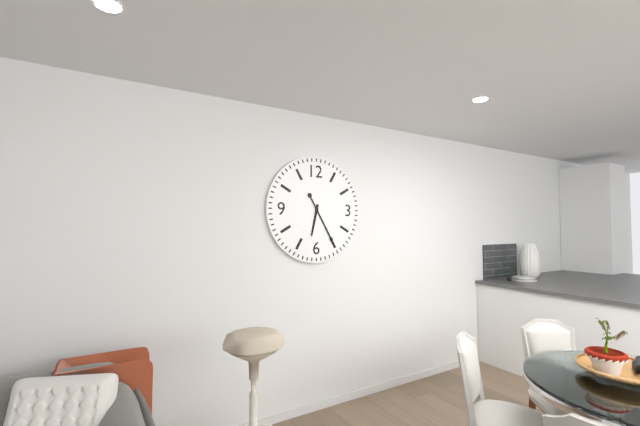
6h25
